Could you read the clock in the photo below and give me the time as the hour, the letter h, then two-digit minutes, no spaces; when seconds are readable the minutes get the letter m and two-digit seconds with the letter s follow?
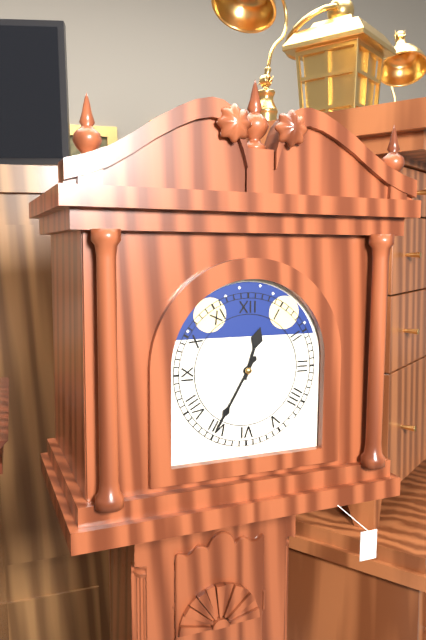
12h35
